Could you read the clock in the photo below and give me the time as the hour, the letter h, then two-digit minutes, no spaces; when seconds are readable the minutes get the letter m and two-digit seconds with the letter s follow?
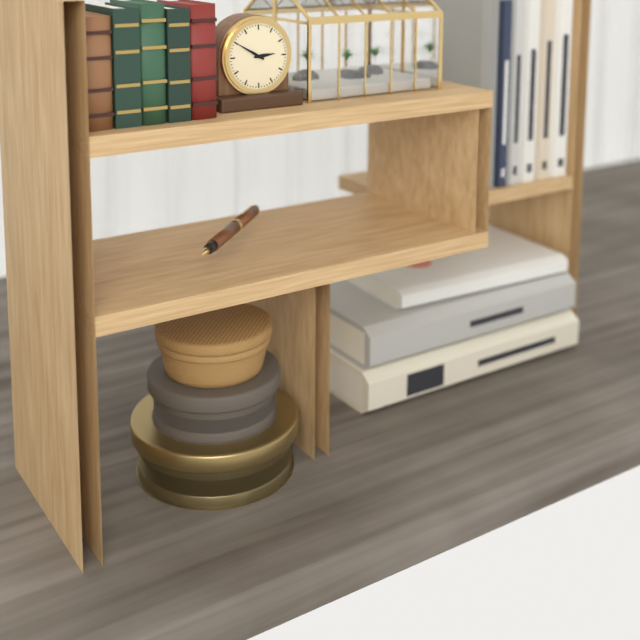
2h50
